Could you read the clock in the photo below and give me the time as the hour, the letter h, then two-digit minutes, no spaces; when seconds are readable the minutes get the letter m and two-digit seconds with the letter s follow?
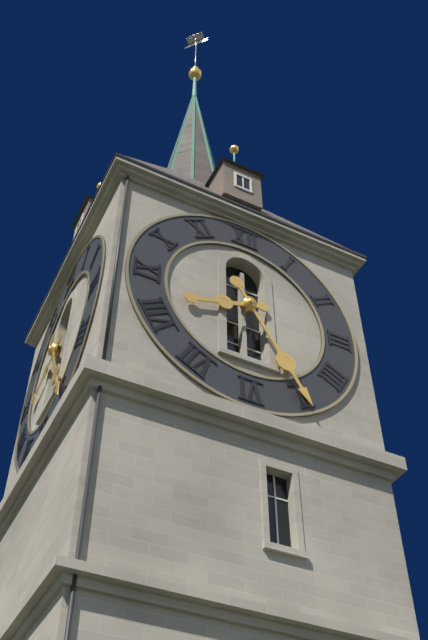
8h25
